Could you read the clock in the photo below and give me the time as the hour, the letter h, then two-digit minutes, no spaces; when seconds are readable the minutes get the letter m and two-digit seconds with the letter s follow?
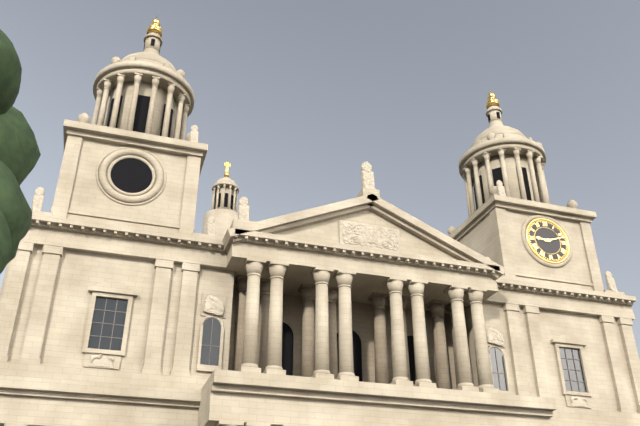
9h12
